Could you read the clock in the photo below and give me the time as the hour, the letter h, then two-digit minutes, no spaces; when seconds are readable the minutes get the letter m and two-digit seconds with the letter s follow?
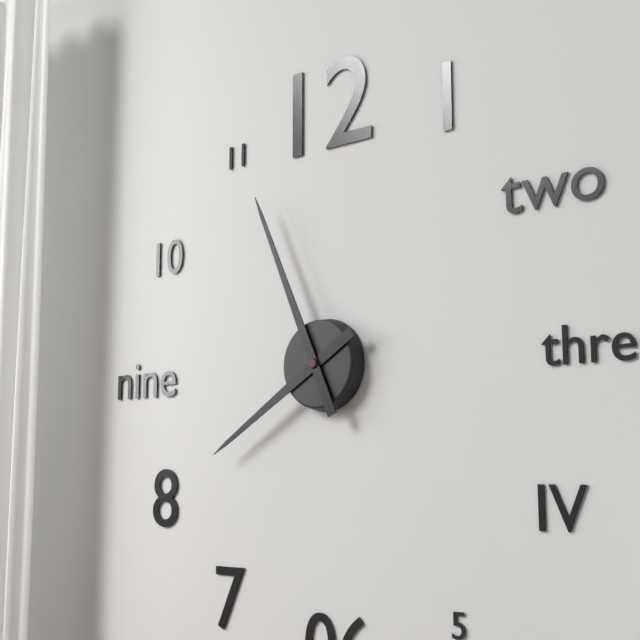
7h56
